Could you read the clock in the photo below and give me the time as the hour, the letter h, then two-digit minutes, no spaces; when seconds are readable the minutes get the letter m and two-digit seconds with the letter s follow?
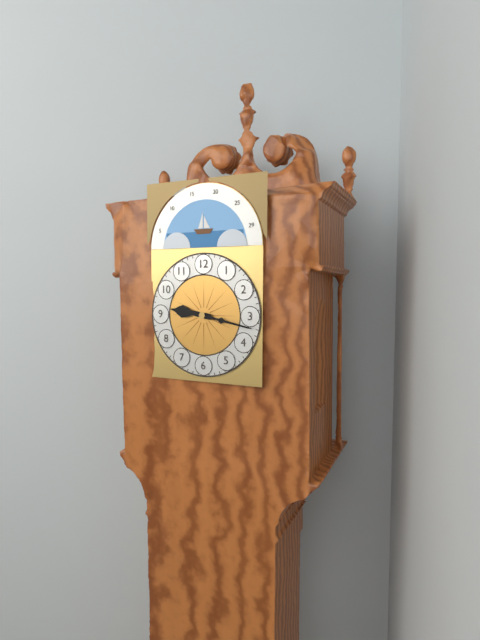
9h17
